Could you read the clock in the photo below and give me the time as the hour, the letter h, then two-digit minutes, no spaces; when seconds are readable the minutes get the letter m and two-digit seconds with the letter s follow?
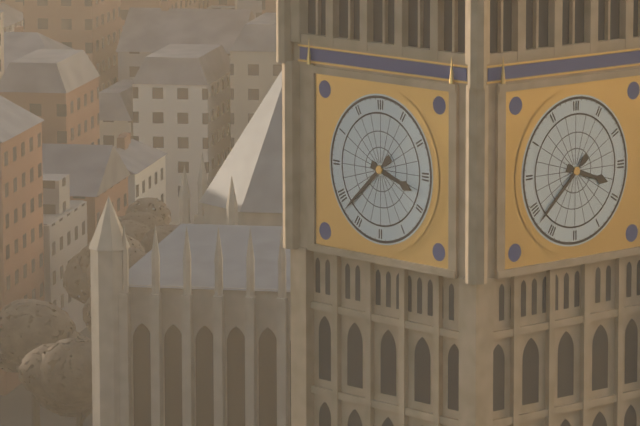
3h38
